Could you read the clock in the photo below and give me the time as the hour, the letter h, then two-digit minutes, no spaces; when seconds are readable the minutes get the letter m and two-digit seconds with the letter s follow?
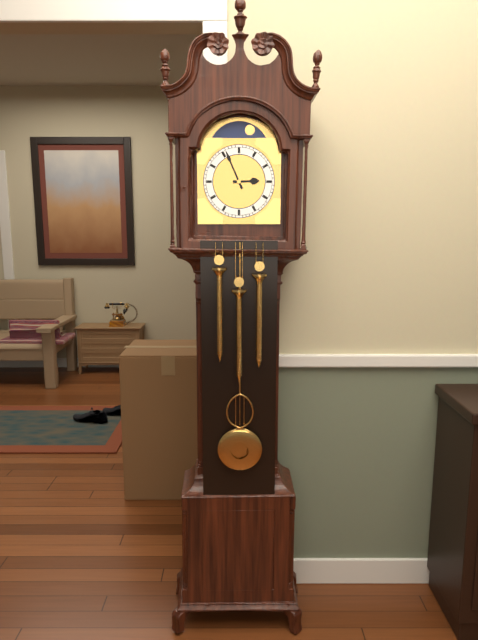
2h56
